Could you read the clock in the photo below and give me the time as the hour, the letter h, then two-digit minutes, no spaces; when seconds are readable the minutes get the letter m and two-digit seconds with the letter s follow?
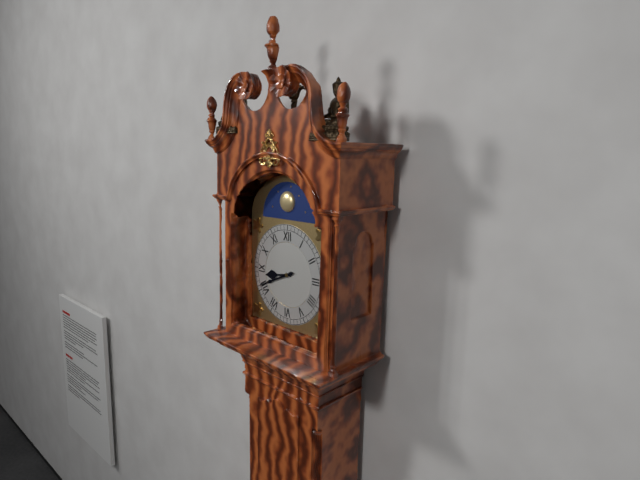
8h41
